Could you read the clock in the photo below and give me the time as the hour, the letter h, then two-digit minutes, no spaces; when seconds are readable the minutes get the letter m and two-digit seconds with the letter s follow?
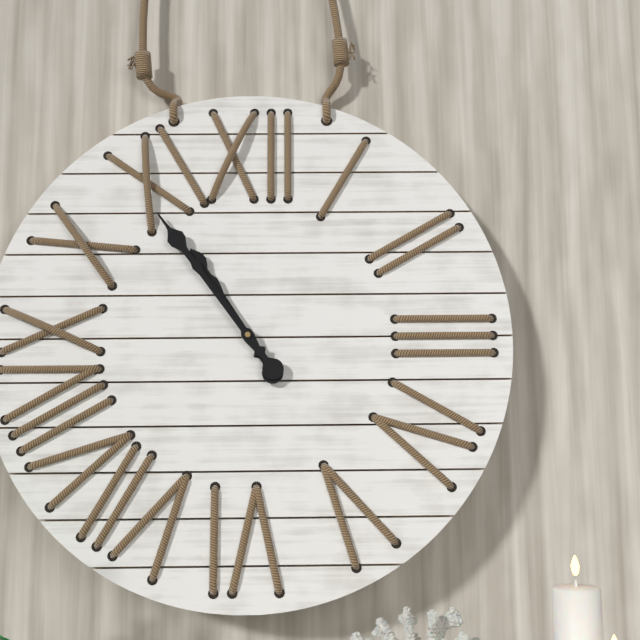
10h54
